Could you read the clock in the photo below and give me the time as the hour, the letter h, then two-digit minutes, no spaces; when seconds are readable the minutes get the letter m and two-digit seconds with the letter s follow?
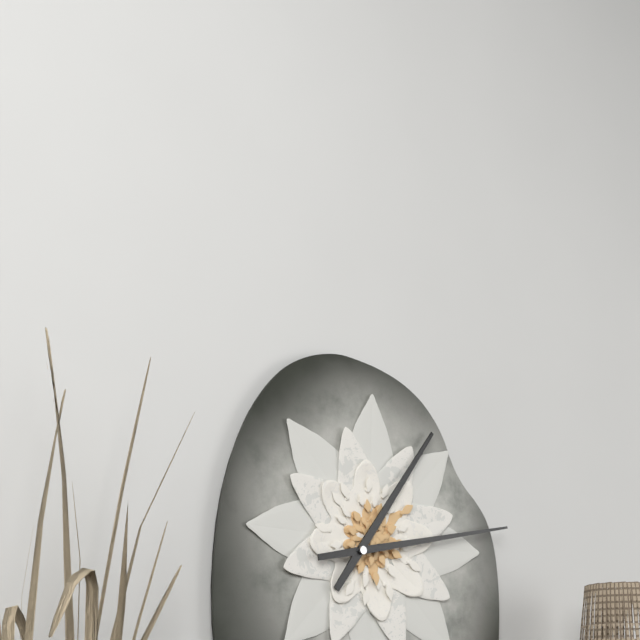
1h13
